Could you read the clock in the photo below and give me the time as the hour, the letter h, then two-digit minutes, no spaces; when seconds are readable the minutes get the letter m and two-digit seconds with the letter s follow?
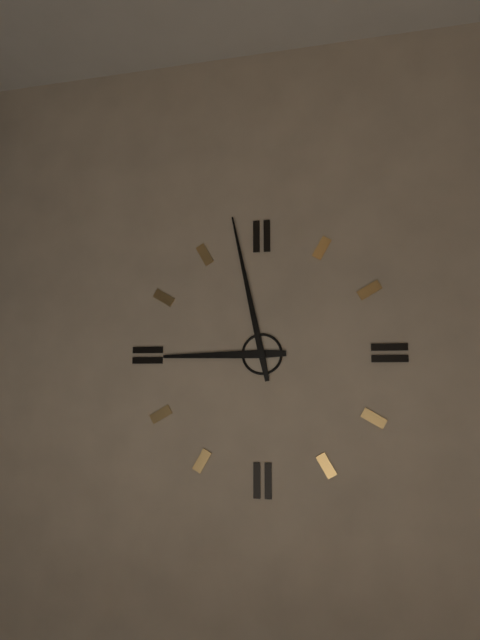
8h58
